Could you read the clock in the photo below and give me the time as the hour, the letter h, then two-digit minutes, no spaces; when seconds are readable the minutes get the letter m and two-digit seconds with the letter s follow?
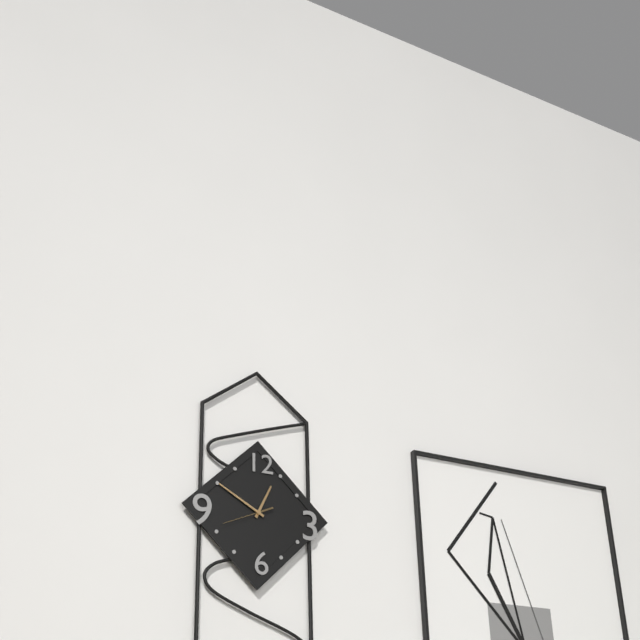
12h50
